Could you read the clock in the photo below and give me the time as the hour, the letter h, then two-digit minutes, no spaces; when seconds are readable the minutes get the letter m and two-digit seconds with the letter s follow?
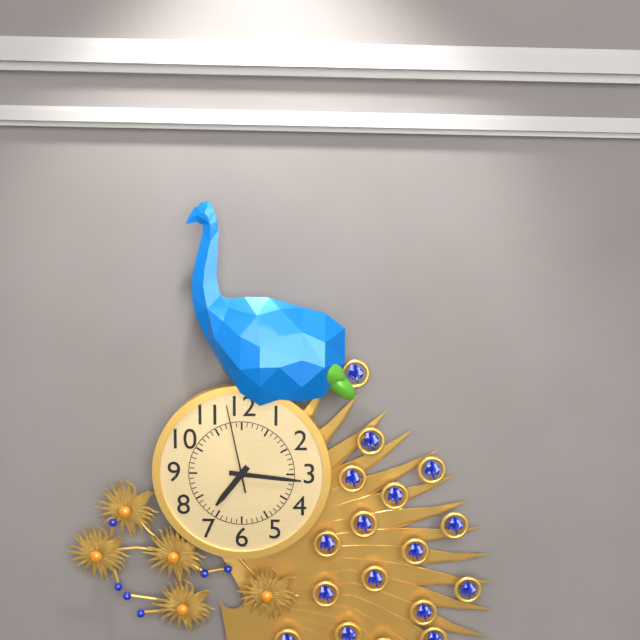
7h16m58s
